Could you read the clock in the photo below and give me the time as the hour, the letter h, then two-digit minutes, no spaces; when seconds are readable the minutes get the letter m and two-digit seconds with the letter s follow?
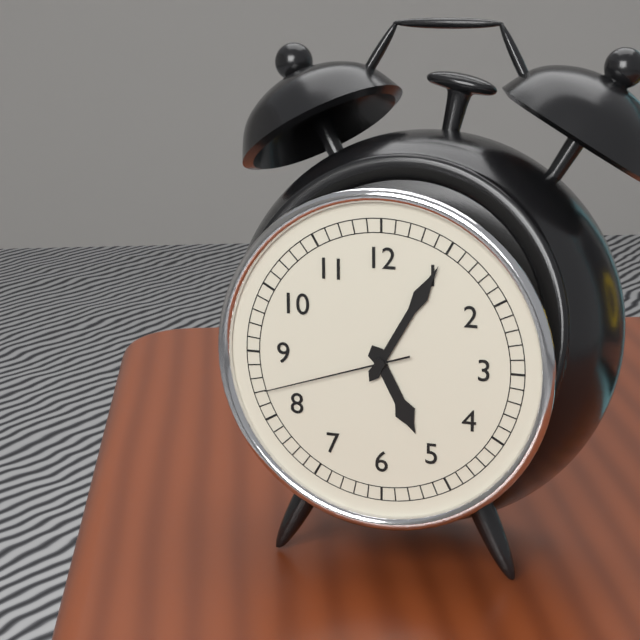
5h05m42s
